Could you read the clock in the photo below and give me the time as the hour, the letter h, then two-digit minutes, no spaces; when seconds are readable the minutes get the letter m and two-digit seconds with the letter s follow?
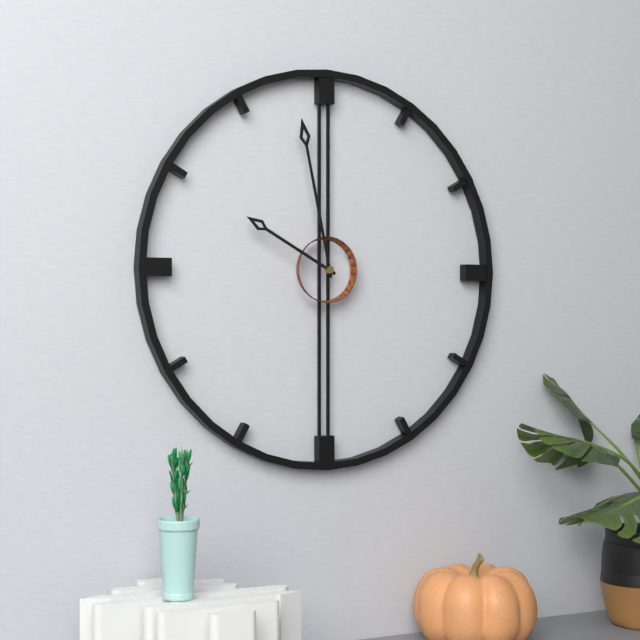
9h58
